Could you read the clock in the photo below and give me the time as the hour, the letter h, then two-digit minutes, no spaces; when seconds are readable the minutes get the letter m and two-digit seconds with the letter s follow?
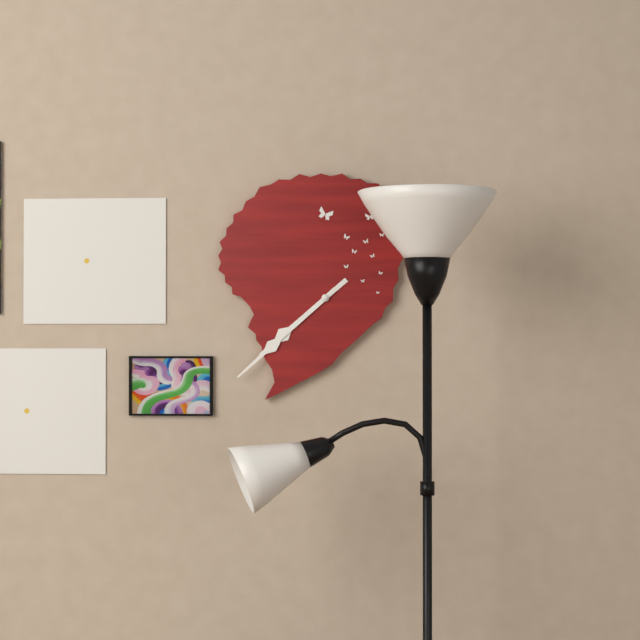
7h38
